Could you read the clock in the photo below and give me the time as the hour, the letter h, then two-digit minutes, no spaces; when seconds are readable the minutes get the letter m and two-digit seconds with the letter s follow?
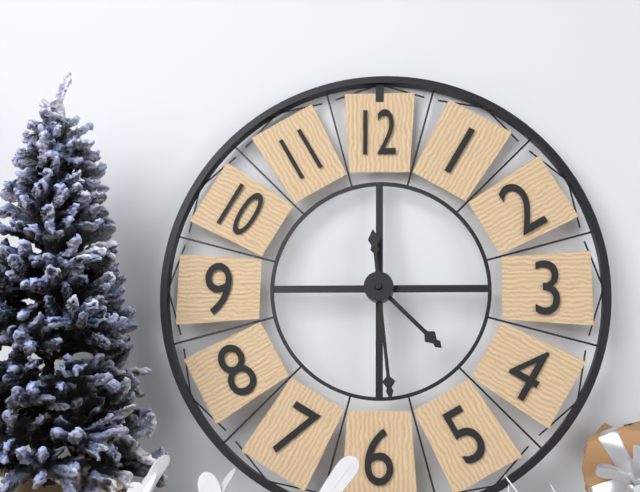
4h29
